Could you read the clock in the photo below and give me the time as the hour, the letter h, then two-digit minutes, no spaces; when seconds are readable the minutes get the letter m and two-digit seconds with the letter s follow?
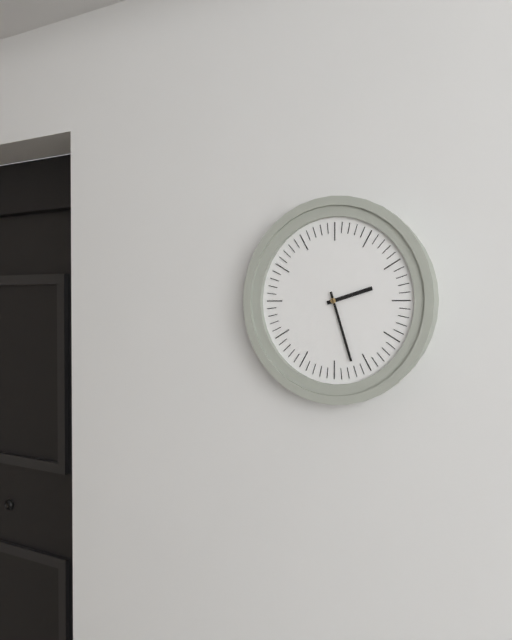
2h27
